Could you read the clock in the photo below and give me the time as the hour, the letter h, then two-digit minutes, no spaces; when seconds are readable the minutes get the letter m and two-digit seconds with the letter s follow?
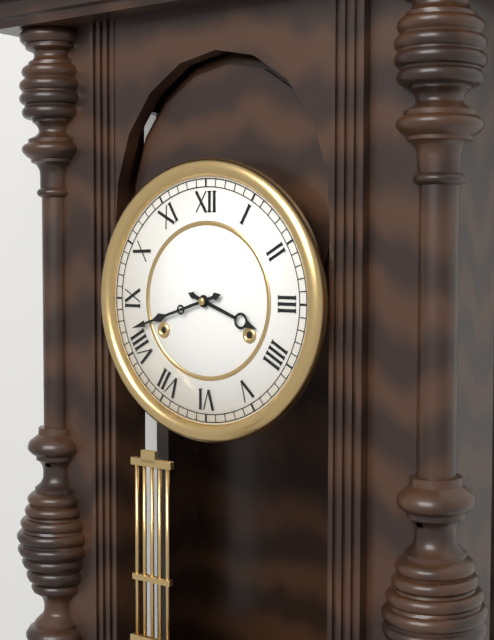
3h42
